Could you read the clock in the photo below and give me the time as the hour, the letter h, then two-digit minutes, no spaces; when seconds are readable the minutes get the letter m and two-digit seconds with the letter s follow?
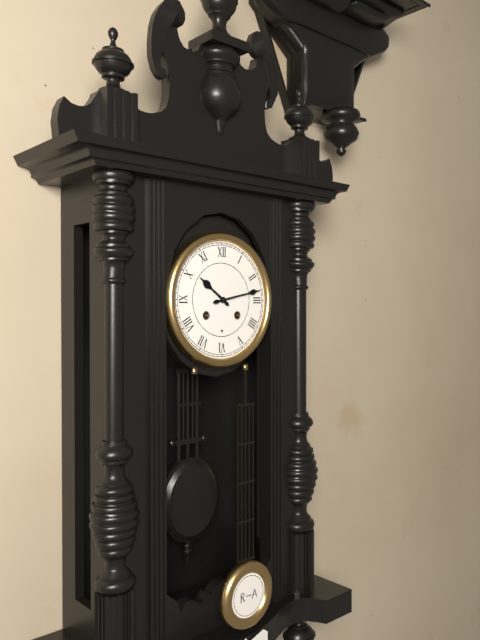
10h13
